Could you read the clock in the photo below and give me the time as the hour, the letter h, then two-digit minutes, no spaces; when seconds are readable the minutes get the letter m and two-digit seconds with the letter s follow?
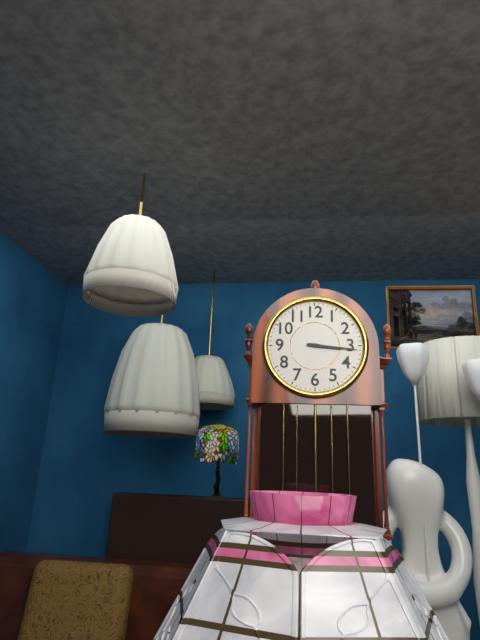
3h16
